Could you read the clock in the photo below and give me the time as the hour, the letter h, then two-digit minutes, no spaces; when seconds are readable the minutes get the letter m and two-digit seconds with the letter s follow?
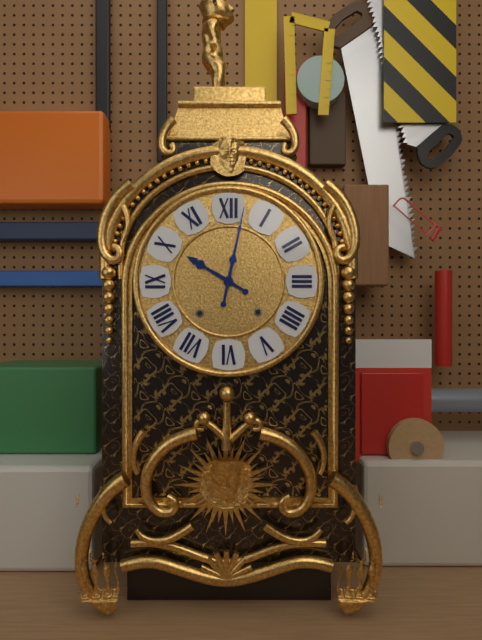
10h02
